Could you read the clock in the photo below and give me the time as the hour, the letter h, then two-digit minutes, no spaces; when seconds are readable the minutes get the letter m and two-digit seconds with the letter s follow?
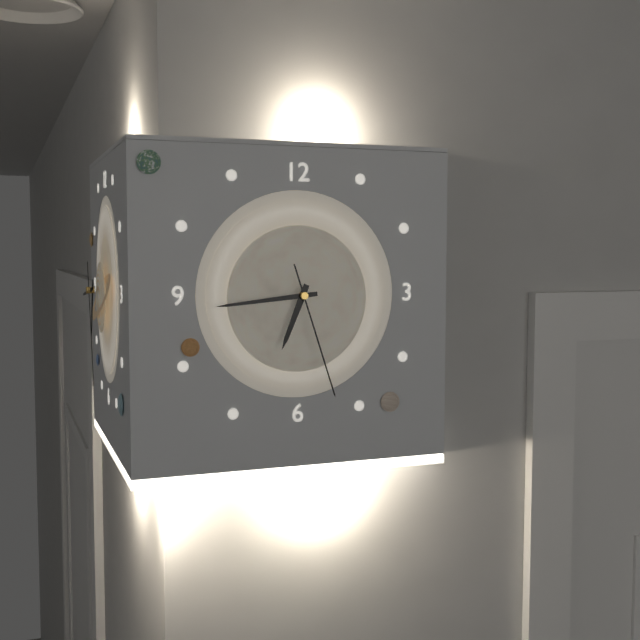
6h44m27s
